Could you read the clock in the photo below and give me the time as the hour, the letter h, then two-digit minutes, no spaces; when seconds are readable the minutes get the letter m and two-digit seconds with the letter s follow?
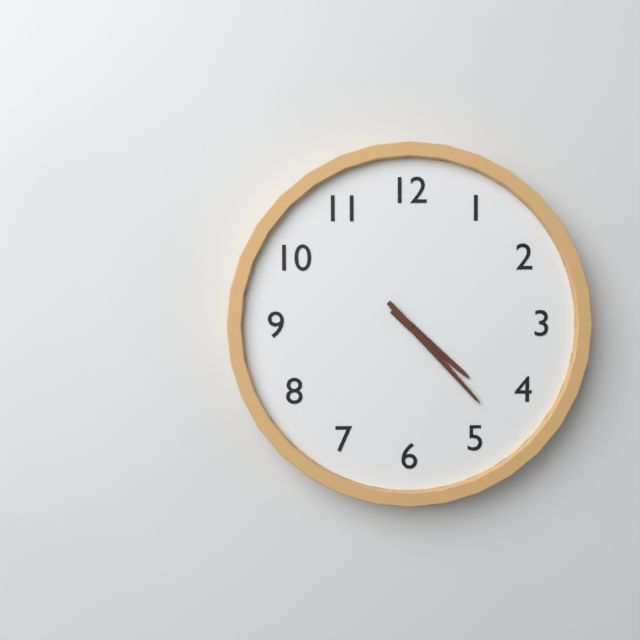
4h23
